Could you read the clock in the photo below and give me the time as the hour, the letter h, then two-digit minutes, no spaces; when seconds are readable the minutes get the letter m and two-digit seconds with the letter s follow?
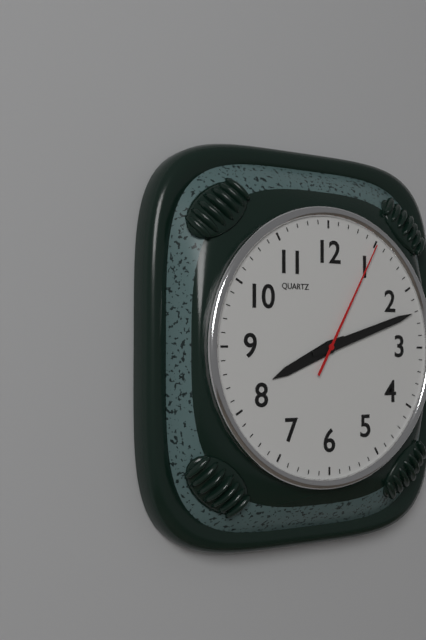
8h12m05s
